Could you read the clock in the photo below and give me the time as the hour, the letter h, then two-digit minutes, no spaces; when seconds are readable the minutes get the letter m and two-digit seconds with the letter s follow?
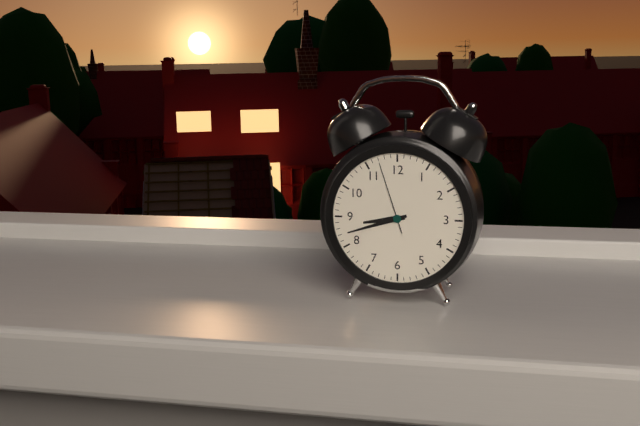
8h42m57s
